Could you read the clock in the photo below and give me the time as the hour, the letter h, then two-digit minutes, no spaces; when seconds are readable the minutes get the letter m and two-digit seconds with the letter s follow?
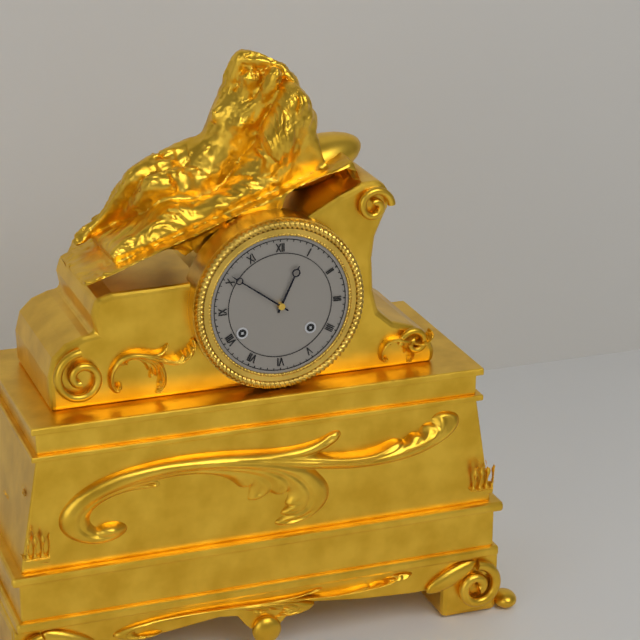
12h51
